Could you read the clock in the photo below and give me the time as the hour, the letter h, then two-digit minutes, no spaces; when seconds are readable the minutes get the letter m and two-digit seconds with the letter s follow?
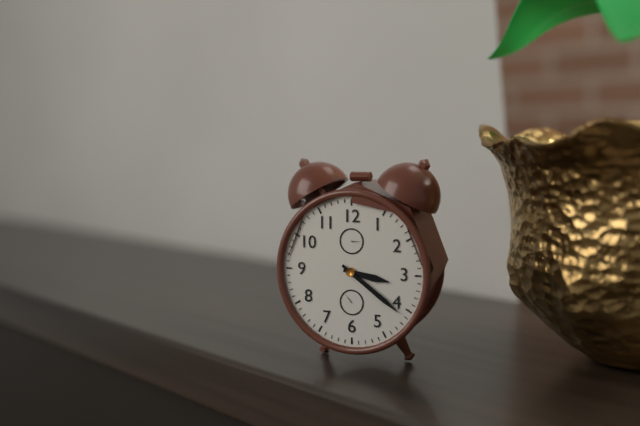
3h21
